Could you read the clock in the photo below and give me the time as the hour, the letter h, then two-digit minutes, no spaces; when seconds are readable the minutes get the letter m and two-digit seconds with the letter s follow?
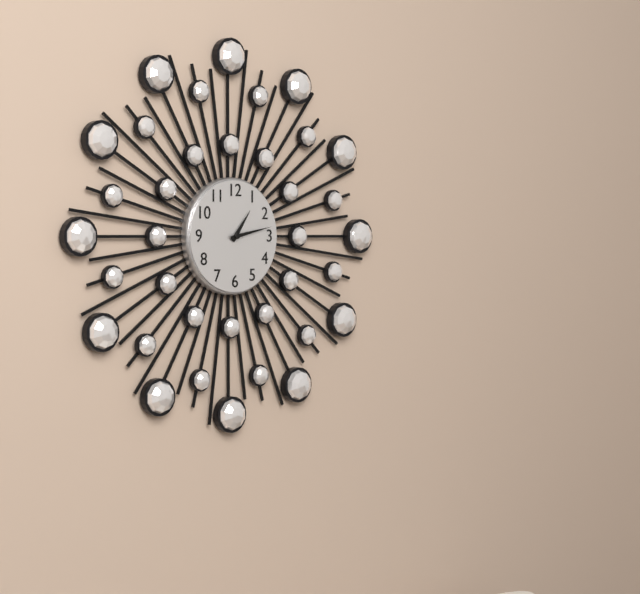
1h13
